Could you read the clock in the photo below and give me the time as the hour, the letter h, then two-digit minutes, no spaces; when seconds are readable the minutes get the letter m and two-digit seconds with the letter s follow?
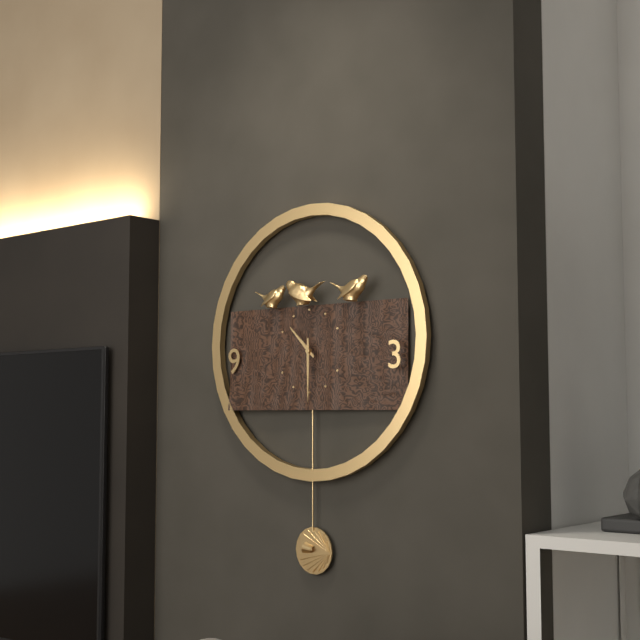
10h30
